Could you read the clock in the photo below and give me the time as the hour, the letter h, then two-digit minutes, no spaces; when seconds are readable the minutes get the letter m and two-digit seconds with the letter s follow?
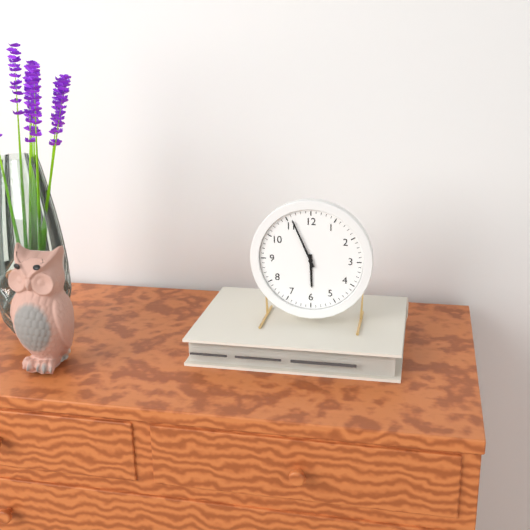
5h56
